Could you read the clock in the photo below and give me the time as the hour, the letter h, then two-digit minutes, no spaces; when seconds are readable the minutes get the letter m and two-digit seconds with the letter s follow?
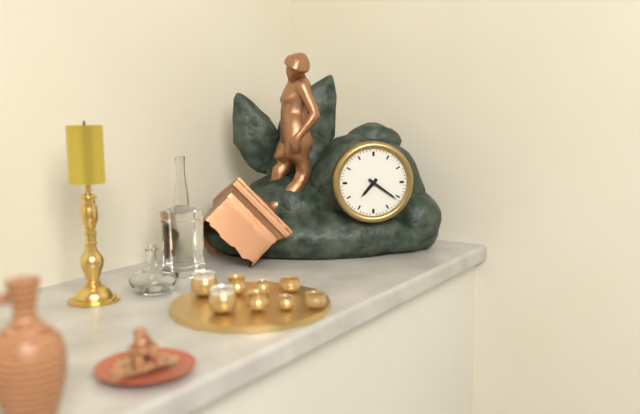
7h21
